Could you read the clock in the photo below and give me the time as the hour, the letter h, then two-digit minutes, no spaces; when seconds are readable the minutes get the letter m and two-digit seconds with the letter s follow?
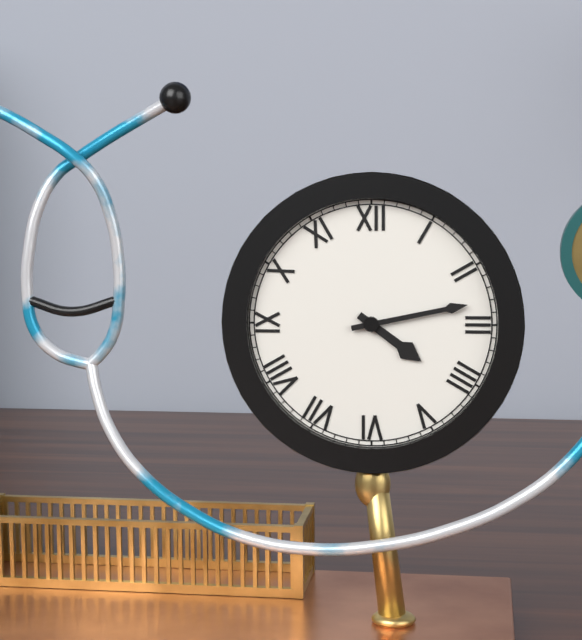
4h13
